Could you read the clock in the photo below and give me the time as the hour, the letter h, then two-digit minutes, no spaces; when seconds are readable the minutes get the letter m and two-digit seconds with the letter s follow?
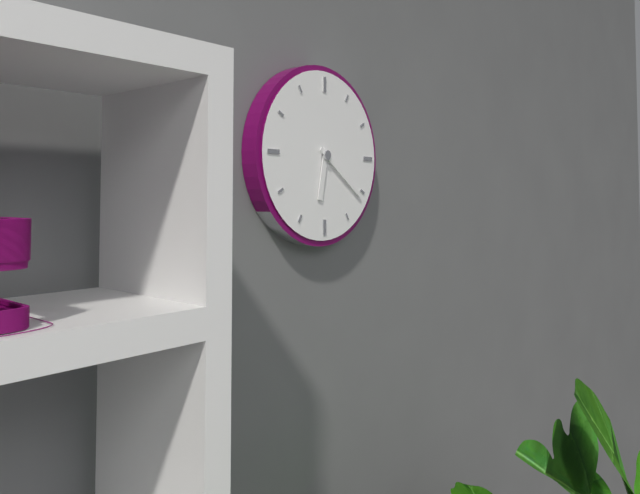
6h21
